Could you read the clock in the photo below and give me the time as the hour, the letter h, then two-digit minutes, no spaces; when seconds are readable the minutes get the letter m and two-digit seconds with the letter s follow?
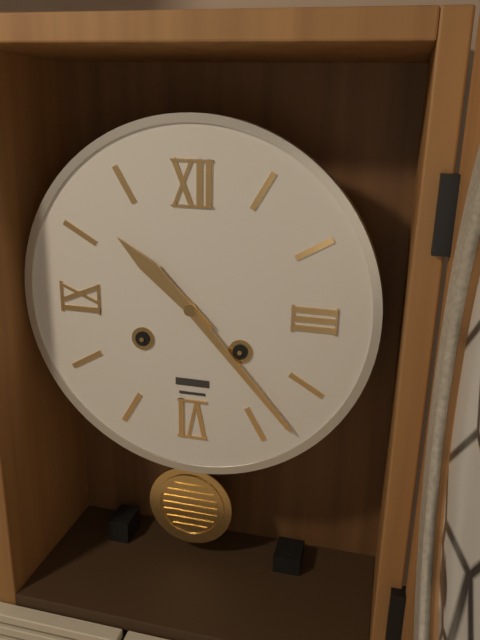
10h23
